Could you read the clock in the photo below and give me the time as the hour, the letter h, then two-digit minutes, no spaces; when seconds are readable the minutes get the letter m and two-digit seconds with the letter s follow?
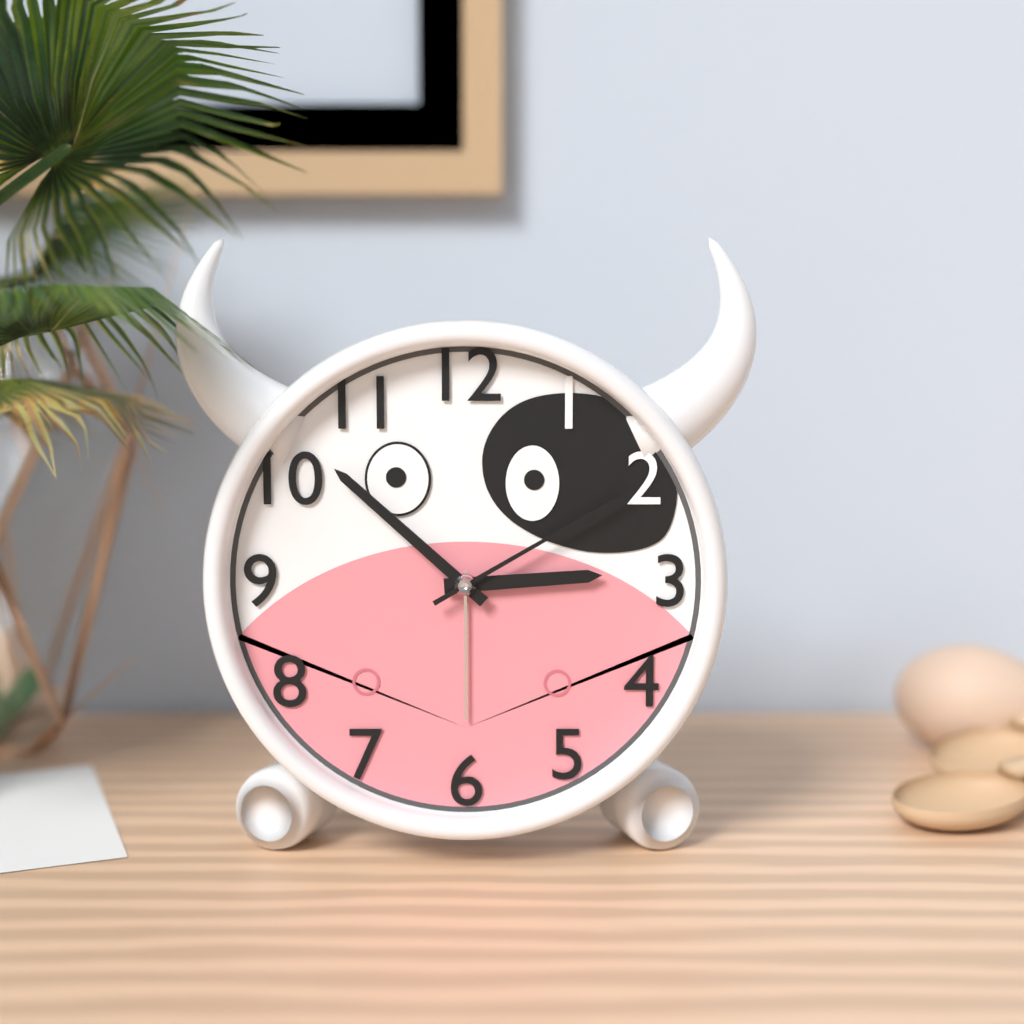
2h52m10s
